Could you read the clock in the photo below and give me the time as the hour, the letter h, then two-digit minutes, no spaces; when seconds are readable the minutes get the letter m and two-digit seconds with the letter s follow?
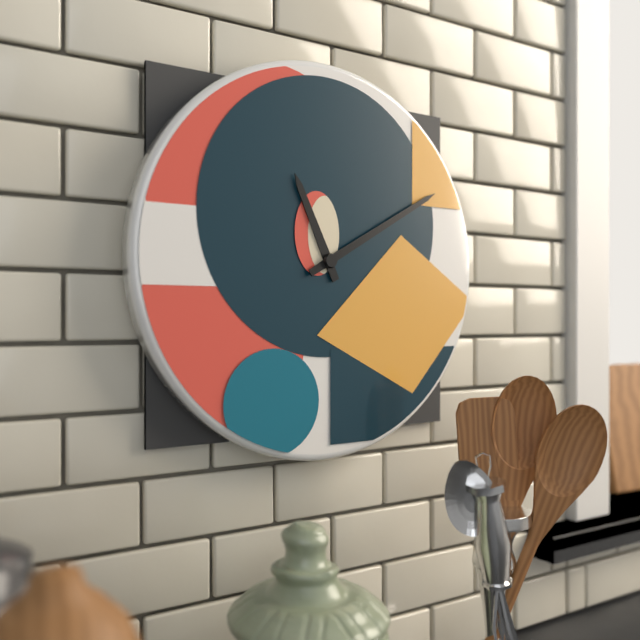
11h10
